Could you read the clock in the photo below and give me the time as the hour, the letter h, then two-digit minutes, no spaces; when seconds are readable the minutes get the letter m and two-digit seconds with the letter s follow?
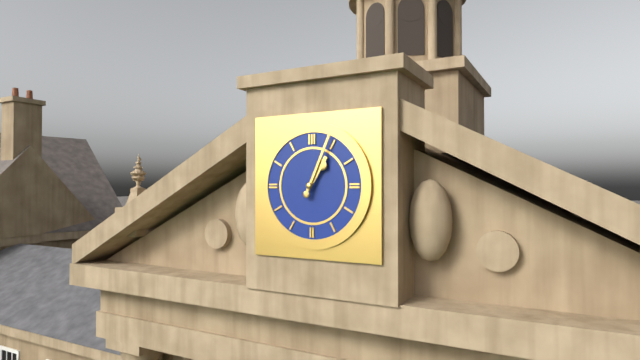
1h04
